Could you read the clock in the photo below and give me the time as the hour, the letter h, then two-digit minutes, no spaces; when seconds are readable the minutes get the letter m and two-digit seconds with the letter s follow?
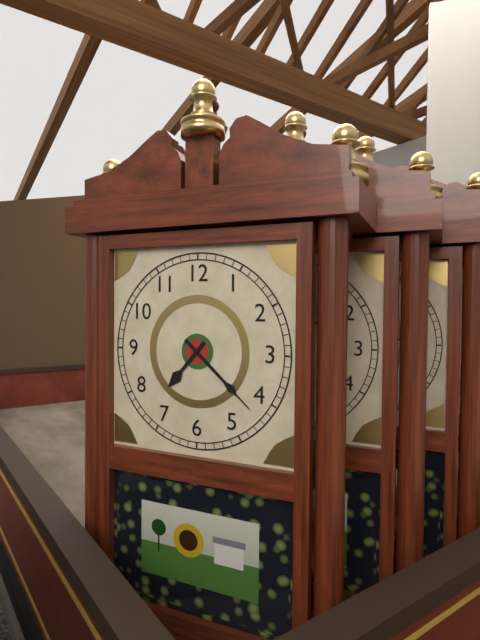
7h22
